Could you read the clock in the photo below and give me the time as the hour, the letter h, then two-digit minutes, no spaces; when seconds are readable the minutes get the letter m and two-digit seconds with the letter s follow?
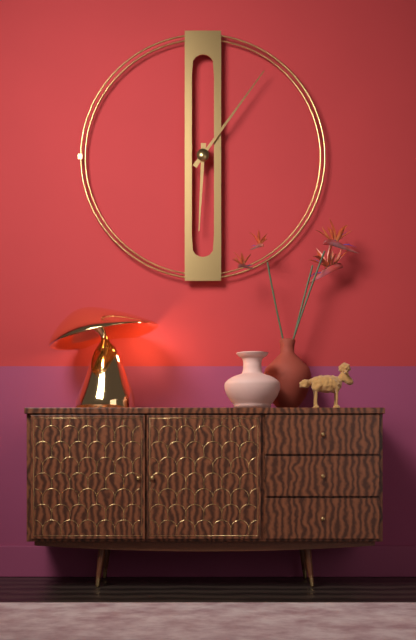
6h06
